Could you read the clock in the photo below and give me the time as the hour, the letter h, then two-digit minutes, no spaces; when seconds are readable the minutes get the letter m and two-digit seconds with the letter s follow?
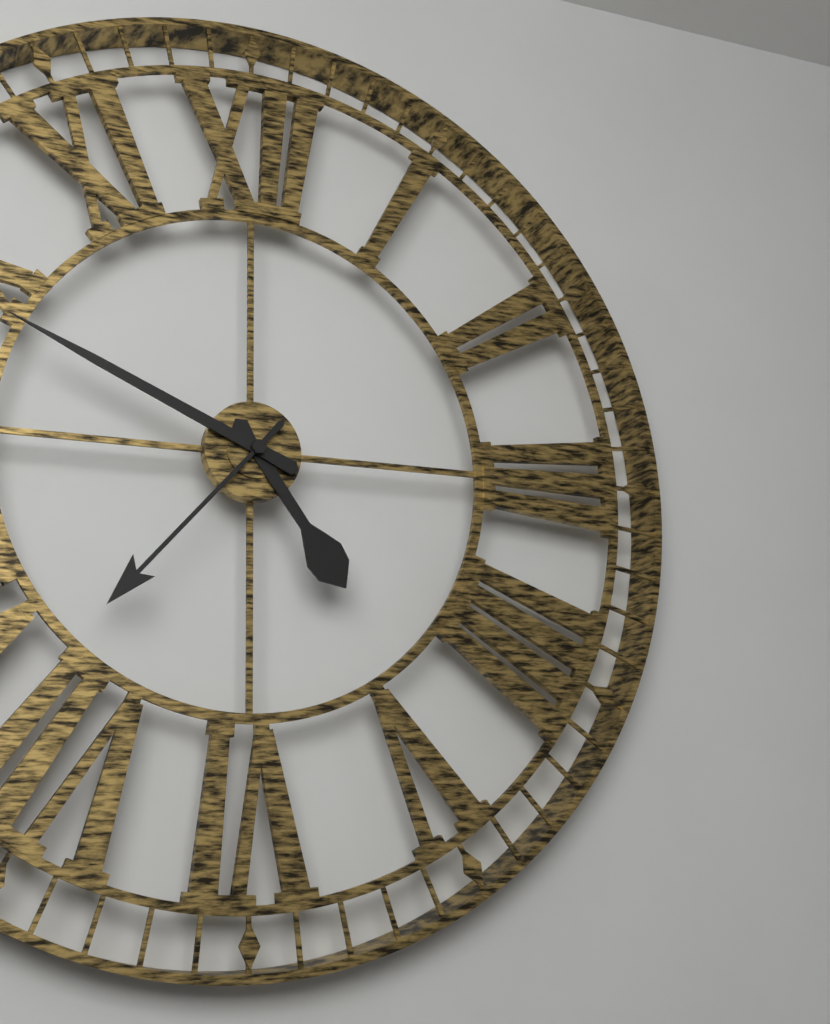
4h49m37s
